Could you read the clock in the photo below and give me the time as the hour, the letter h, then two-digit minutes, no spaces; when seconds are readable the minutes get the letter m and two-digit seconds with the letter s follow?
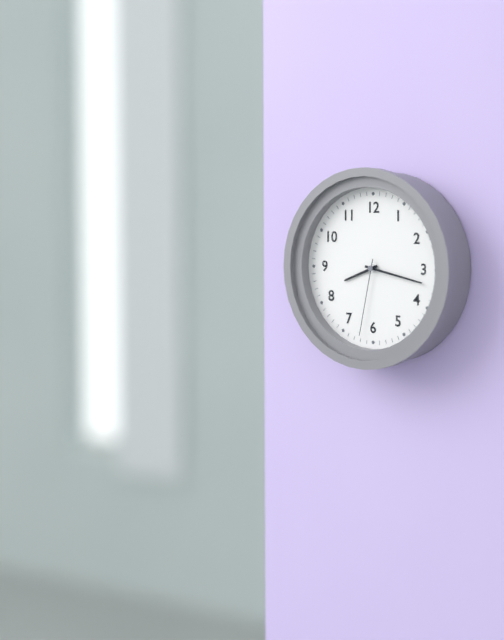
8h17m32s
